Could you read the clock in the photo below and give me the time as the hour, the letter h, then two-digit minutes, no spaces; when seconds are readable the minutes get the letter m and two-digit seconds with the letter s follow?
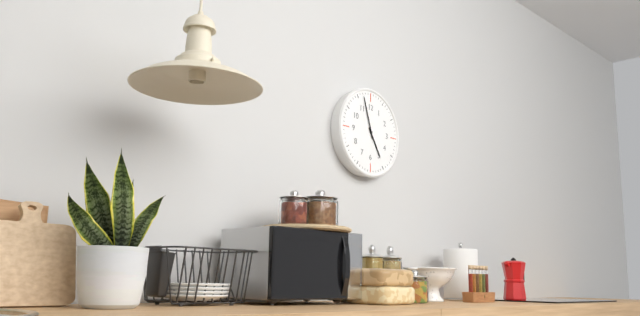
4h57
